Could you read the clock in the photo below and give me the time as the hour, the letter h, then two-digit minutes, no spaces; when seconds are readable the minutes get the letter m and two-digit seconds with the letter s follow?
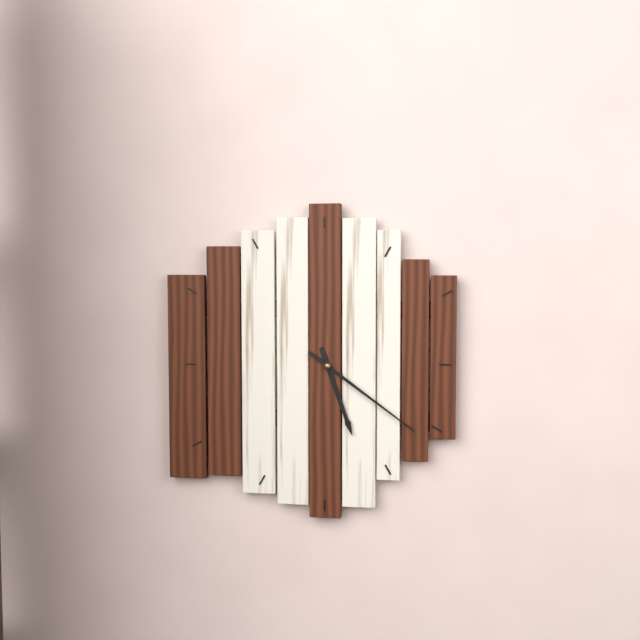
5h21
